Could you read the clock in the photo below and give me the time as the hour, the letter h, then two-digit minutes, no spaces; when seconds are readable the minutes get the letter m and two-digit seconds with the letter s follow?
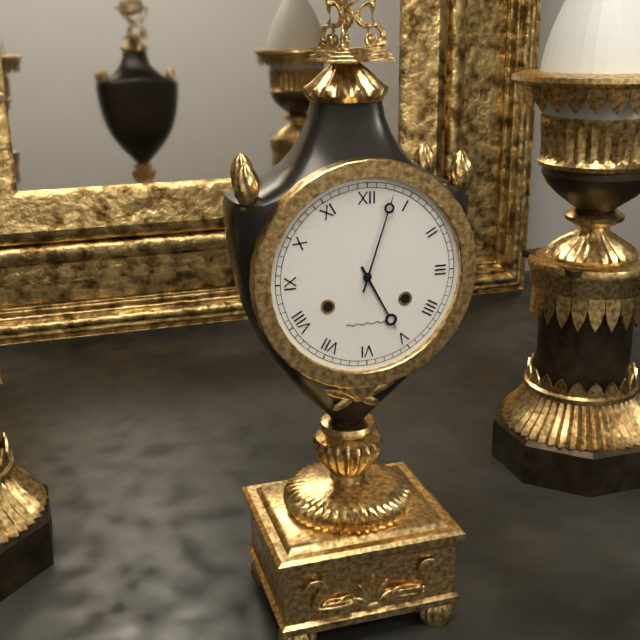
5h03
